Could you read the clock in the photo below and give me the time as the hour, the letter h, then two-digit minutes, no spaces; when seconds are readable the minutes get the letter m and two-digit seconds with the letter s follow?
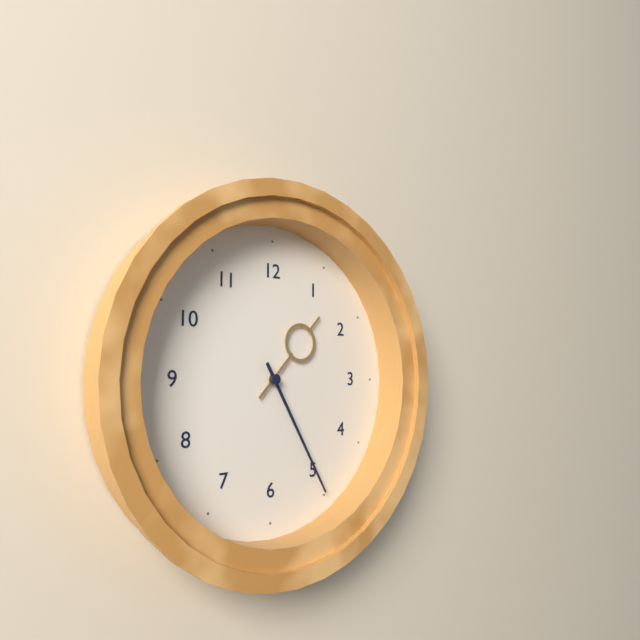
1h25
